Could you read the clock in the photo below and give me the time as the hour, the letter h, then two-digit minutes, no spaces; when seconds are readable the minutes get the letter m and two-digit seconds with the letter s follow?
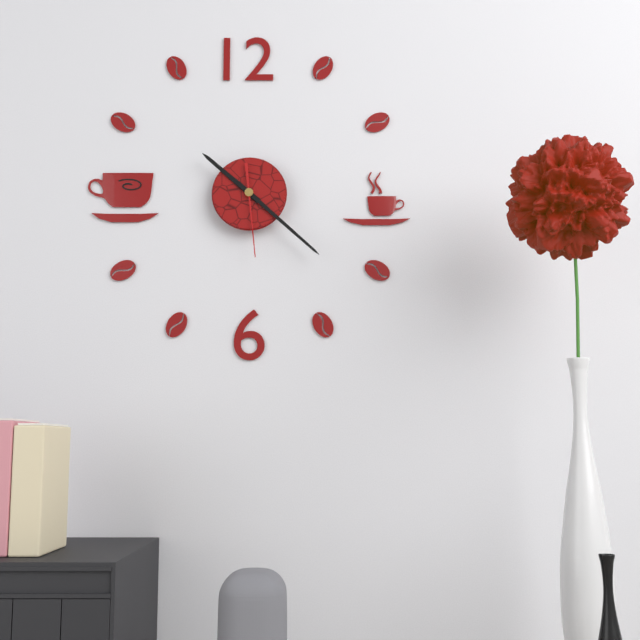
10h22m29s
